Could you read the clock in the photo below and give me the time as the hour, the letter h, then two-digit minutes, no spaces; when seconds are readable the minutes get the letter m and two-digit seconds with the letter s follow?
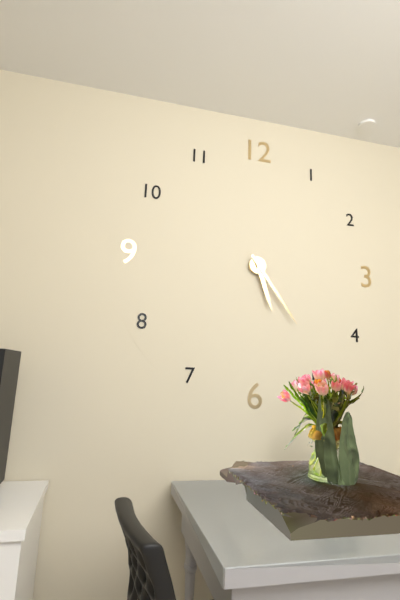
5h24
